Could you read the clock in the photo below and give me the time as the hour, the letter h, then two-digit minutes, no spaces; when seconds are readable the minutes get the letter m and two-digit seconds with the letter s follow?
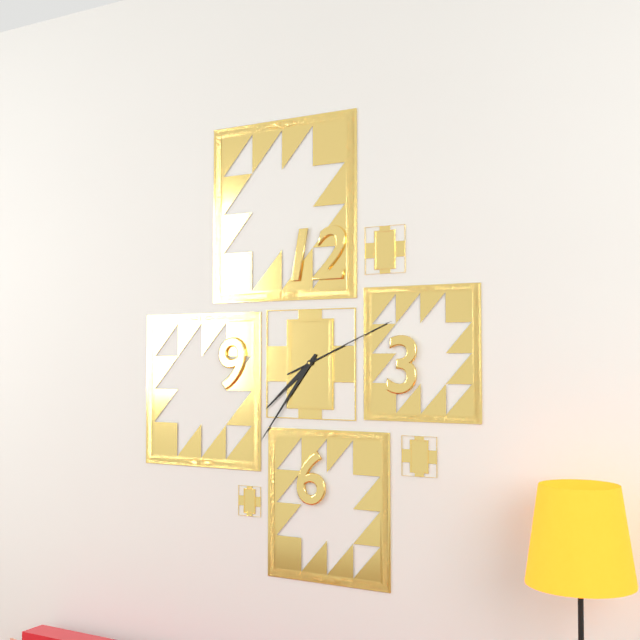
7h36m11s
